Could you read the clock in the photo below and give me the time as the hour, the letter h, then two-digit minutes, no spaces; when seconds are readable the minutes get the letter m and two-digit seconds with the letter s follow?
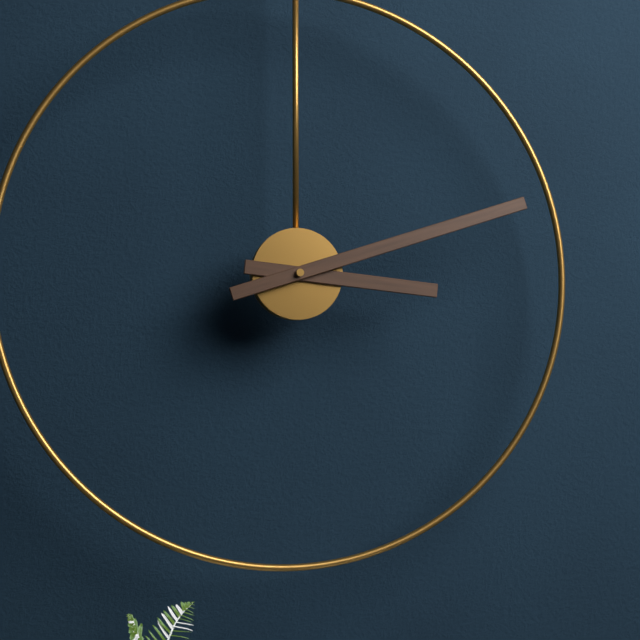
3h12
